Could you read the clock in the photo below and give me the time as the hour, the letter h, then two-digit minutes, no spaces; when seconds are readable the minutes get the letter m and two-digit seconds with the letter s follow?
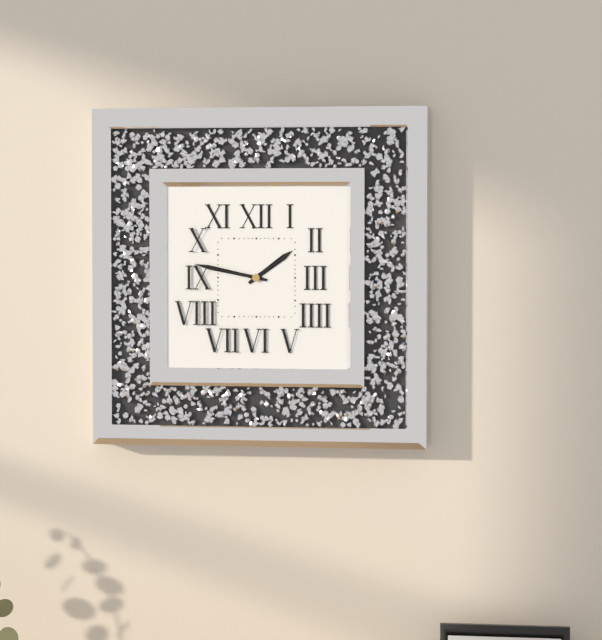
1h47
